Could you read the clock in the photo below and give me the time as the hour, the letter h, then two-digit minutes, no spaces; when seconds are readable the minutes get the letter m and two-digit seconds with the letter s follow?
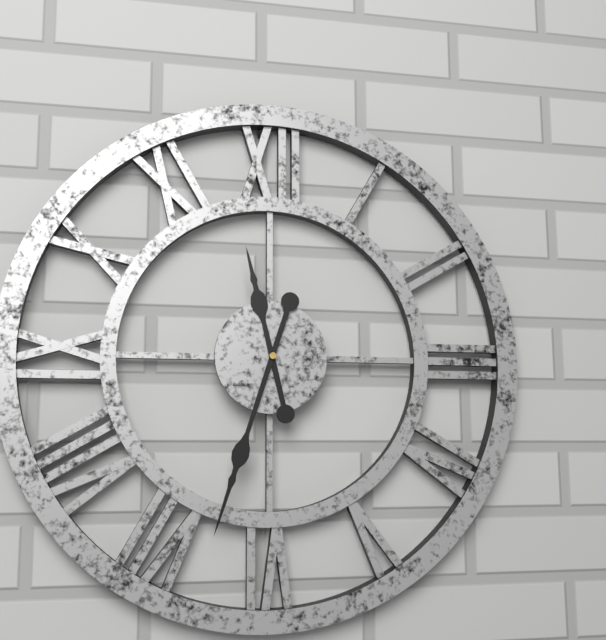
11h33
